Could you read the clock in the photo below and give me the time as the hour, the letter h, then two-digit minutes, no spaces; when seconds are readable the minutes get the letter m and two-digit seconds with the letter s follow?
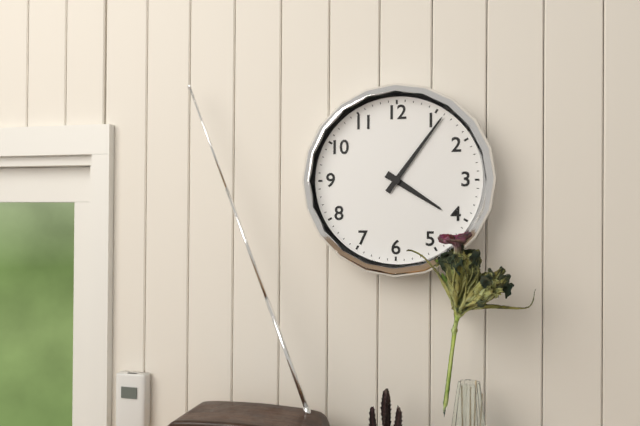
4h06
